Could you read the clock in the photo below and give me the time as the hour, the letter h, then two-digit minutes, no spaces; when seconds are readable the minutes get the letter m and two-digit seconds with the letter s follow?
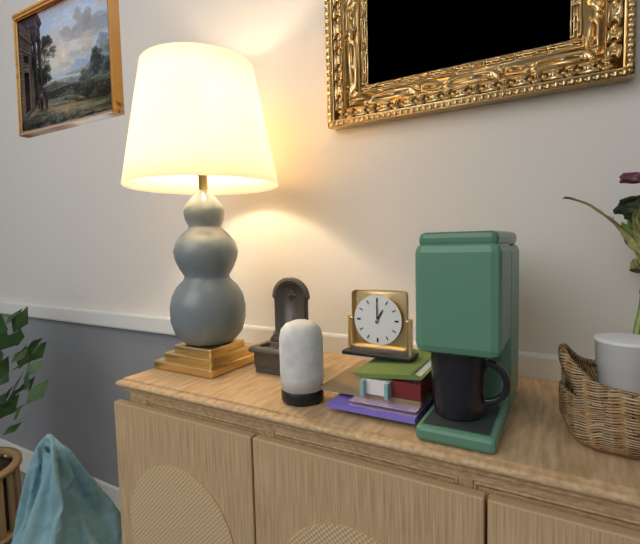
1h00
